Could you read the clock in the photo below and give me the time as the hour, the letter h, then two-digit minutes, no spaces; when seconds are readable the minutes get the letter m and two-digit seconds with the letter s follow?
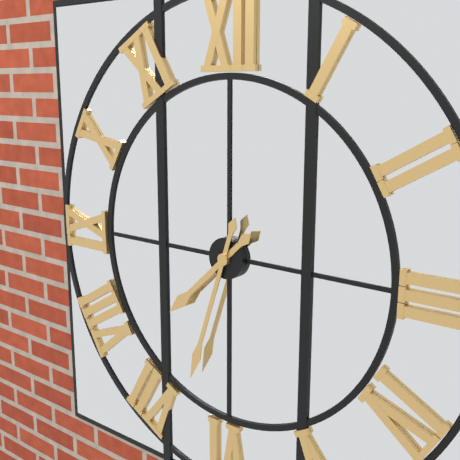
7h33
